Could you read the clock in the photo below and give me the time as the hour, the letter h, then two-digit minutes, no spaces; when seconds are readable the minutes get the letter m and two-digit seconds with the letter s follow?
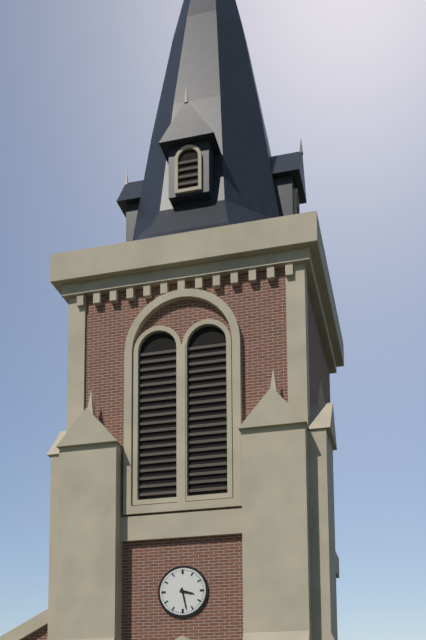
3h28
